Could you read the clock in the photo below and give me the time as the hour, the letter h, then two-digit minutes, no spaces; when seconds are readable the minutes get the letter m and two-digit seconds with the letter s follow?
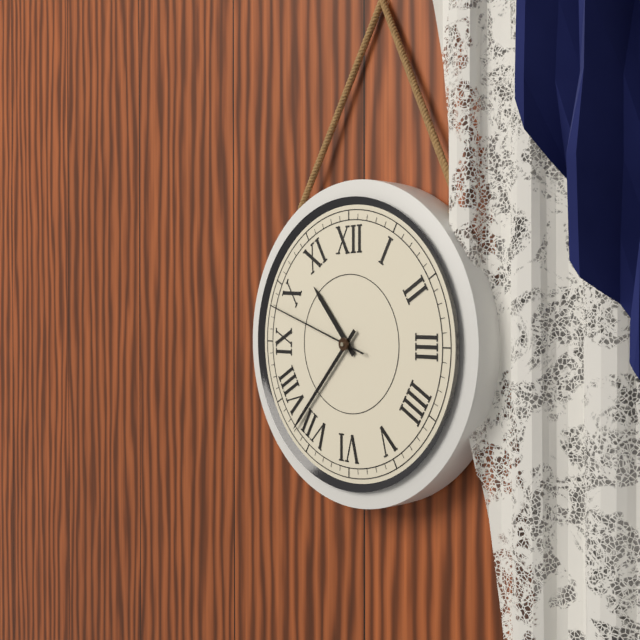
10h37m48s
